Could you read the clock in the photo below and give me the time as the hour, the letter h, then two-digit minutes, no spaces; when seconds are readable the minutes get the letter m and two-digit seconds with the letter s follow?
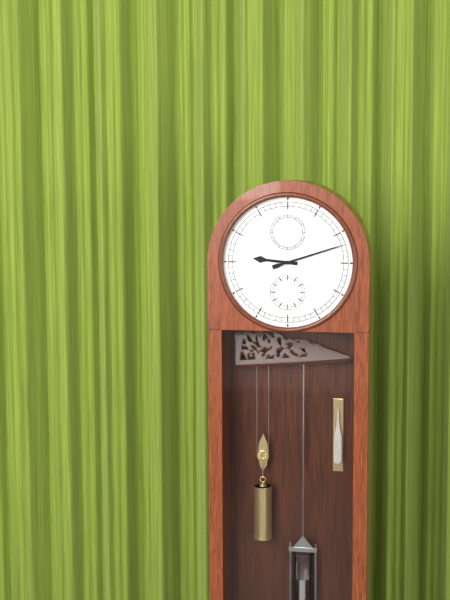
9h12
